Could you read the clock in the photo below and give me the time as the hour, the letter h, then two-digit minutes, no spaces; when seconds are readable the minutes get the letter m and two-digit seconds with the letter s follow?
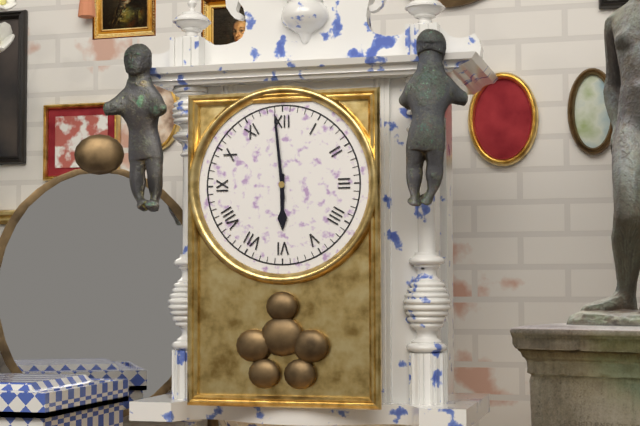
5h59
